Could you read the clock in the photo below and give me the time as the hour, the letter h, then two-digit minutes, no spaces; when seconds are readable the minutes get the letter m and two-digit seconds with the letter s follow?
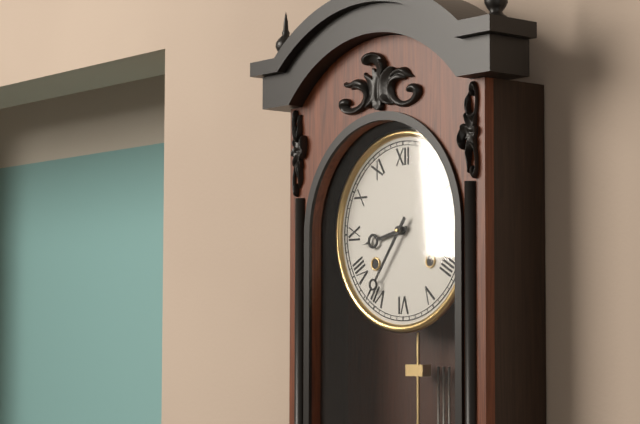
8h36
